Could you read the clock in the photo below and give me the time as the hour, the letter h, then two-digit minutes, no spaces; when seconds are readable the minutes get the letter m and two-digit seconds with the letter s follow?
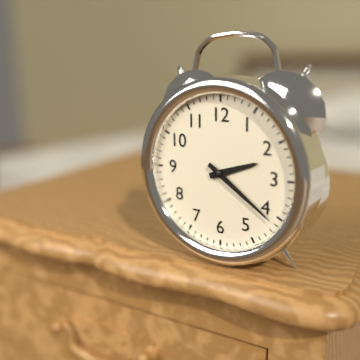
2h21
